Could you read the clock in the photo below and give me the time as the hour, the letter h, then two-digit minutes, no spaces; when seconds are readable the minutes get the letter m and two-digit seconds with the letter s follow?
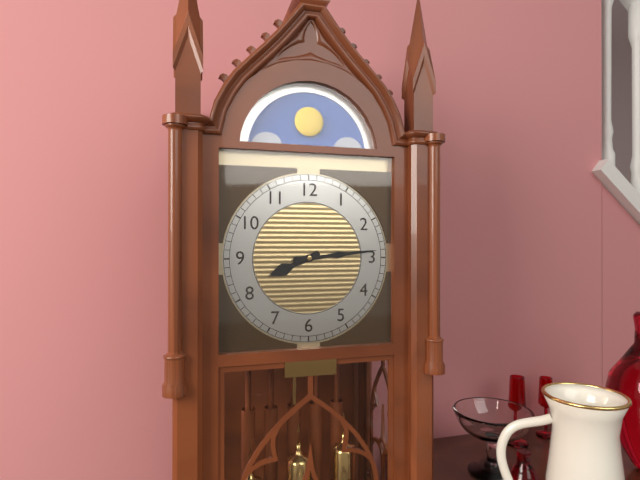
8h14
